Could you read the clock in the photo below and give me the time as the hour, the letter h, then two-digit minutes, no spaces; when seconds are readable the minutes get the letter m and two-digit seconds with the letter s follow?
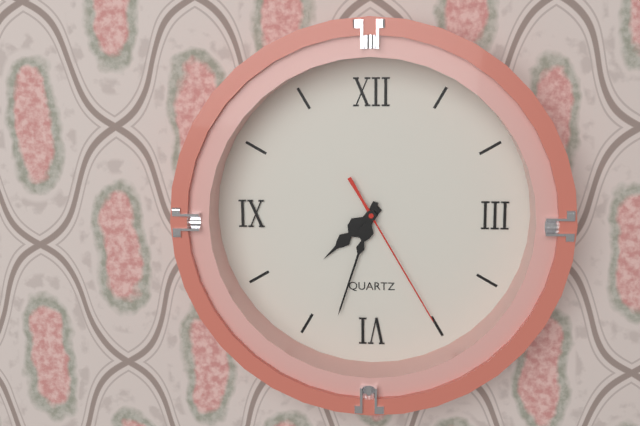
7h33m25s
